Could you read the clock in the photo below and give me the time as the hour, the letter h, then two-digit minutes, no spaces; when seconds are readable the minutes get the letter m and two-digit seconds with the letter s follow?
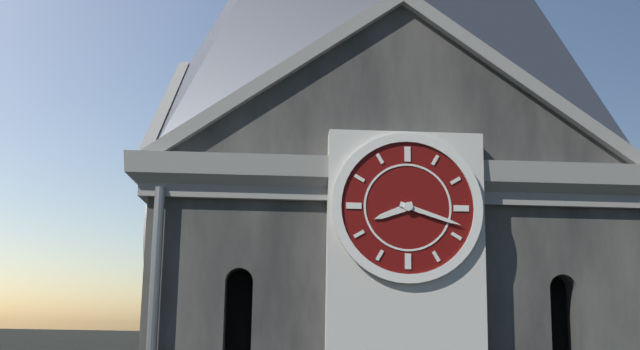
8h18
